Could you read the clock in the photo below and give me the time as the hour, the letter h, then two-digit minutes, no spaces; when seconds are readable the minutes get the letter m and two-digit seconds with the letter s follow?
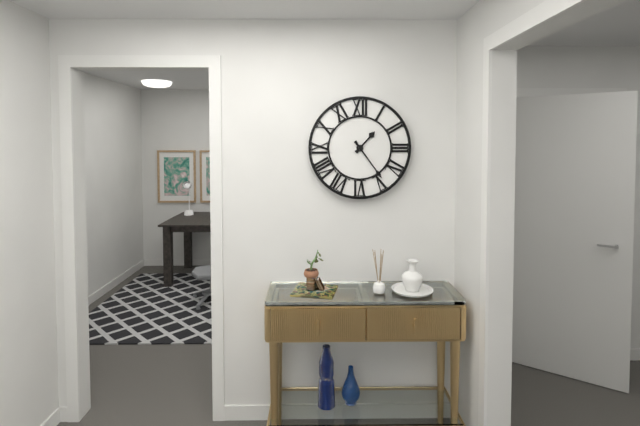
1h24
